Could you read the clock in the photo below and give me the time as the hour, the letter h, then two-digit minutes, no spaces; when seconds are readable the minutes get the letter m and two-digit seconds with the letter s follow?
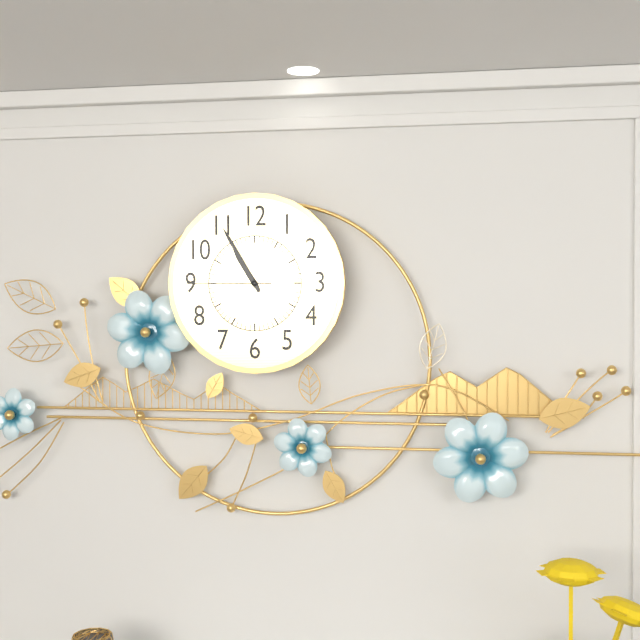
10h55m45s
